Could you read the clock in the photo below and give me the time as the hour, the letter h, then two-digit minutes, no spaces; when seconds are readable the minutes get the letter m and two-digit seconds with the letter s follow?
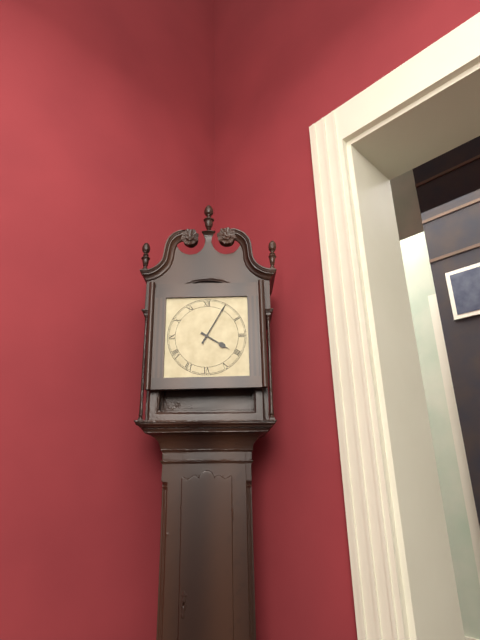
4h05
